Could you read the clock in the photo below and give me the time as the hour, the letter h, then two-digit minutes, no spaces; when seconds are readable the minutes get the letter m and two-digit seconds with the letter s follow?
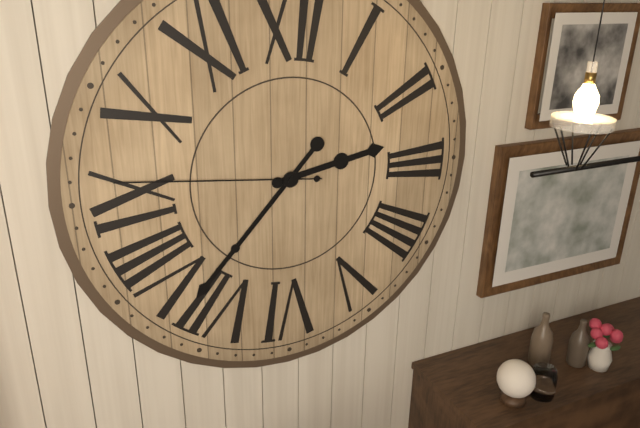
2h37m46s
